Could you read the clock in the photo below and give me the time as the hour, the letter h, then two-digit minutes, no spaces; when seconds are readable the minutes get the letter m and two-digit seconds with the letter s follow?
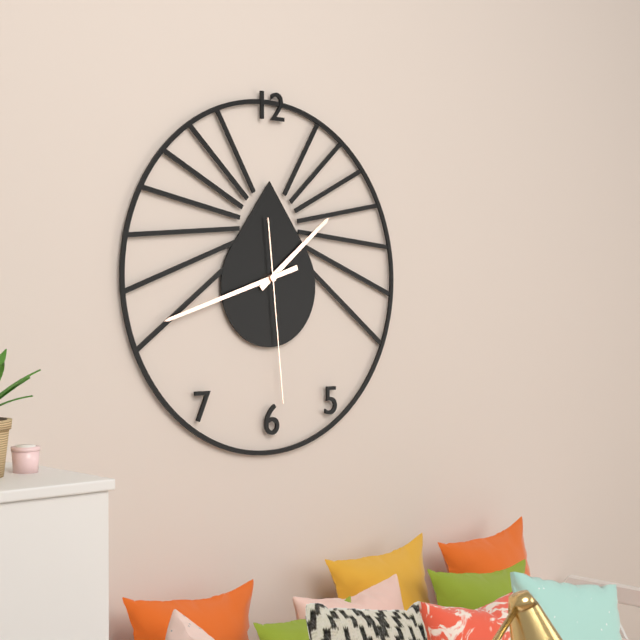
1h42m29s
